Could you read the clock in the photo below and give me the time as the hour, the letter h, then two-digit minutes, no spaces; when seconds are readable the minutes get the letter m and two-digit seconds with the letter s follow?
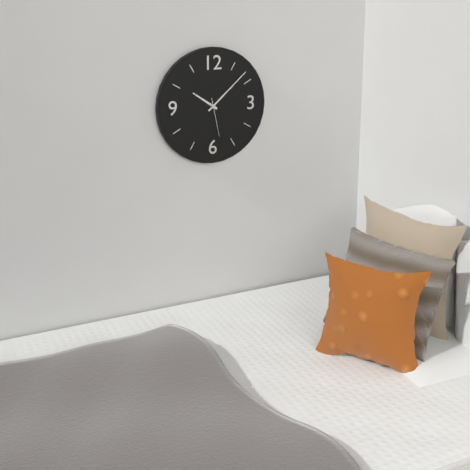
10h08
